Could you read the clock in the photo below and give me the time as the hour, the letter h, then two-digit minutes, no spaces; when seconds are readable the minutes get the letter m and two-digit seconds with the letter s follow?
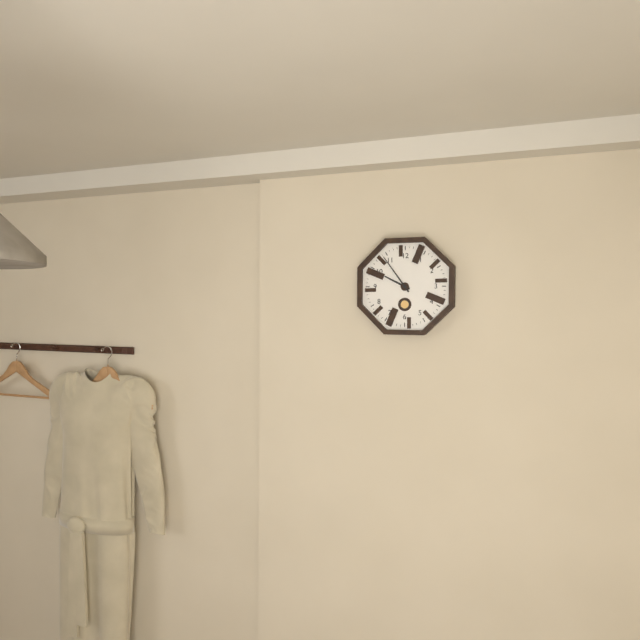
9h54
